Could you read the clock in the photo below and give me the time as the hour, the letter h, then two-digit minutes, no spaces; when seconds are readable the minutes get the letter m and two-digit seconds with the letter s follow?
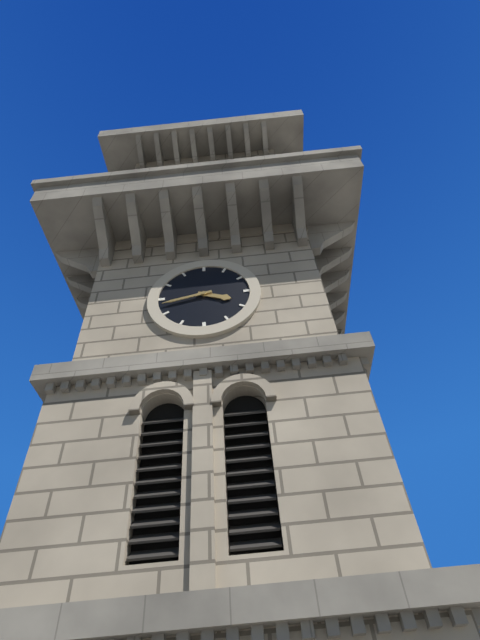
3h43
